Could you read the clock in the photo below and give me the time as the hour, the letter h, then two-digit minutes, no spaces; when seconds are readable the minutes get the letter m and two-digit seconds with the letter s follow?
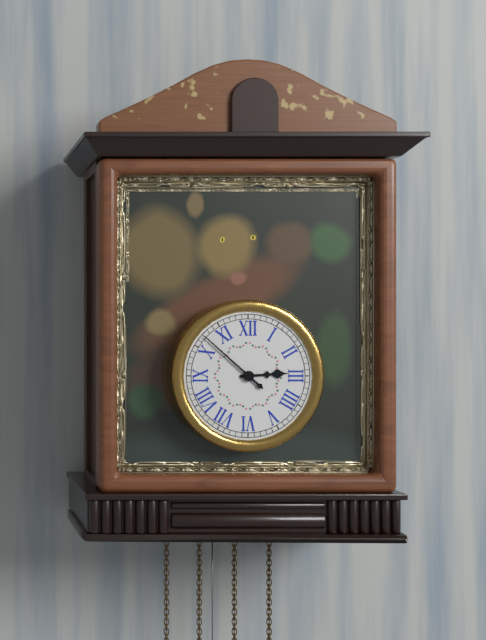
2h52
